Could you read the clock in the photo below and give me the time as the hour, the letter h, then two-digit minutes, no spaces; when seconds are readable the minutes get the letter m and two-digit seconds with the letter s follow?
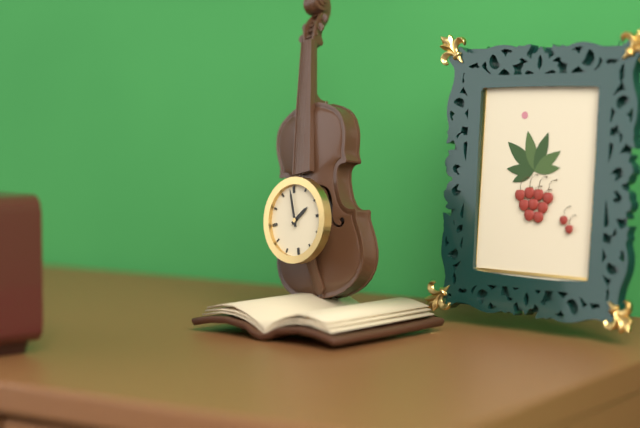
1h59
